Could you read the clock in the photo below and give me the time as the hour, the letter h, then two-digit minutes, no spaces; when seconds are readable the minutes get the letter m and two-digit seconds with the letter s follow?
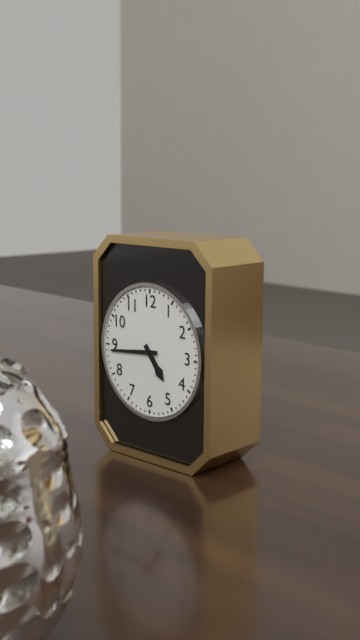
4h44
